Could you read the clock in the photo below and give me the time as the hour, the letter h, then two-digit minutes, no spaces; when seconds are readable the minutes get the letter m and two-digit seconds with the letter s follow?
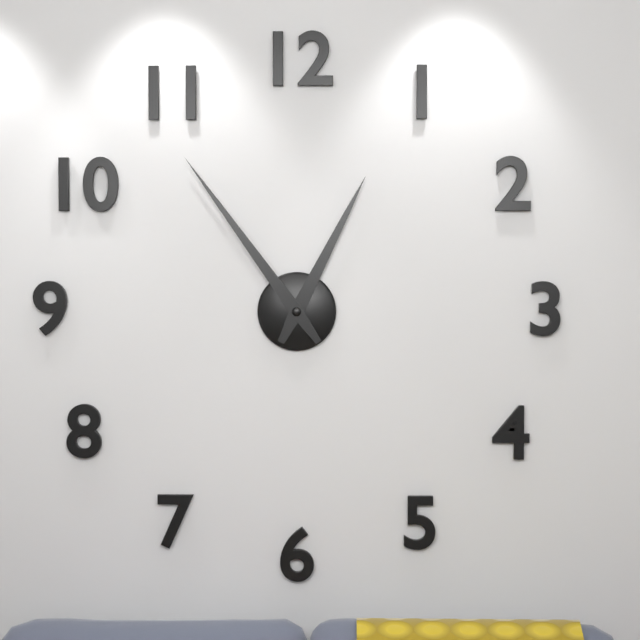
12h54
